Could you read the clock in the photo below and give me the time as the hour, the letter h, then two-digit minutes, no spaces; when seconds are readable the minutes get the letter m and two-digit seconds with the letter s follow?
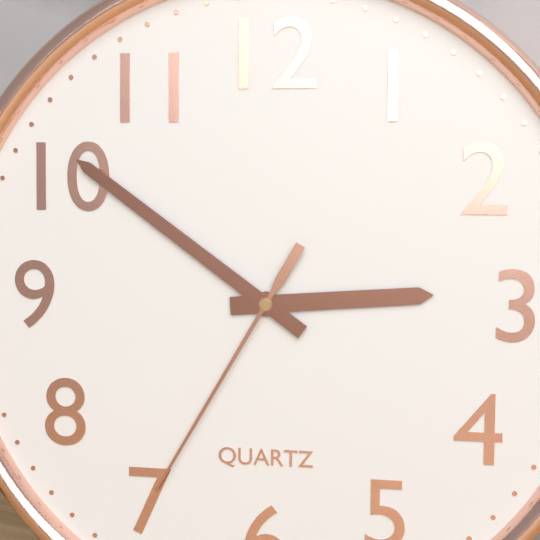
2h51m35s
